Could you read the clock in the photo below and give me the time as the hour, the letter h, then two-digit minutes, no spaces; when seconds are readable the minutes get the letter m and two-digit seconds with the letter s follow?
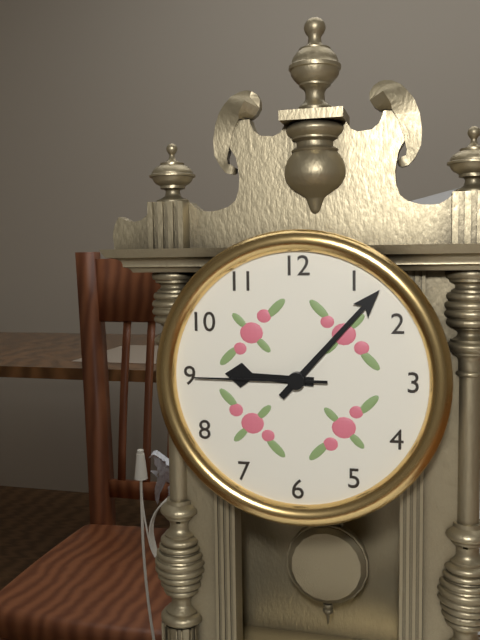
9h07m45s
